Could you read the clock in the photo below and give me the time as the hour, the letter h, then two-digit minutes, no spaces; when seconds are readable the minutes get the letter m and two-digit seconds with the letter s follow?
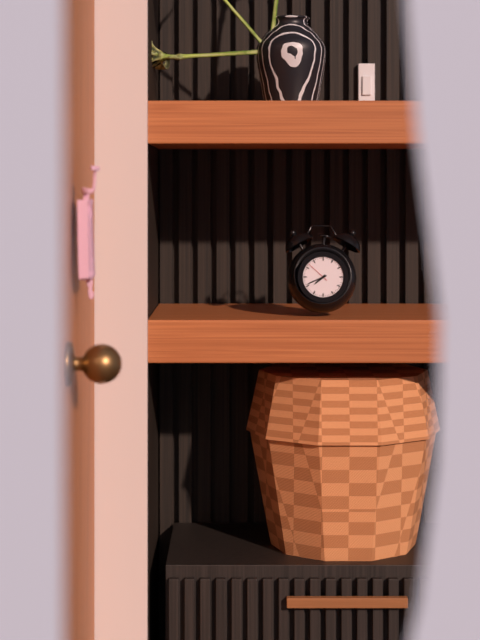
7h41
